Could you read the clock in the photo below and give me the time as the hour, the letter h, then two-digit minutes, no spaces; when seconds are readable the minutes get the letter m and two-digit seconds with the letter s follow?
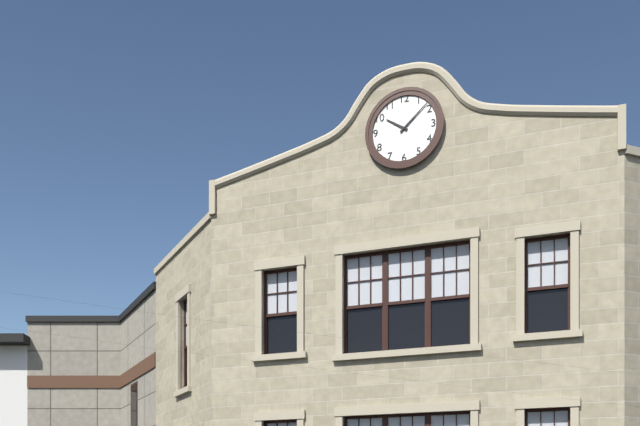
10h08
